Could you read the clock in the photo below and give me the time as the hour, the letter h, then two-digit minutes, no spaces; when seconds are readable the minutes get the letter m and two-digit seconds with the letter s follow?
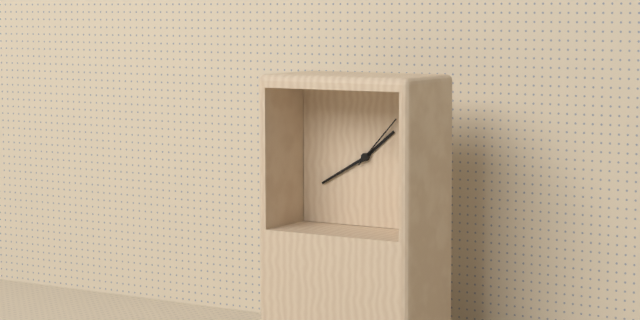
1h40m07s
